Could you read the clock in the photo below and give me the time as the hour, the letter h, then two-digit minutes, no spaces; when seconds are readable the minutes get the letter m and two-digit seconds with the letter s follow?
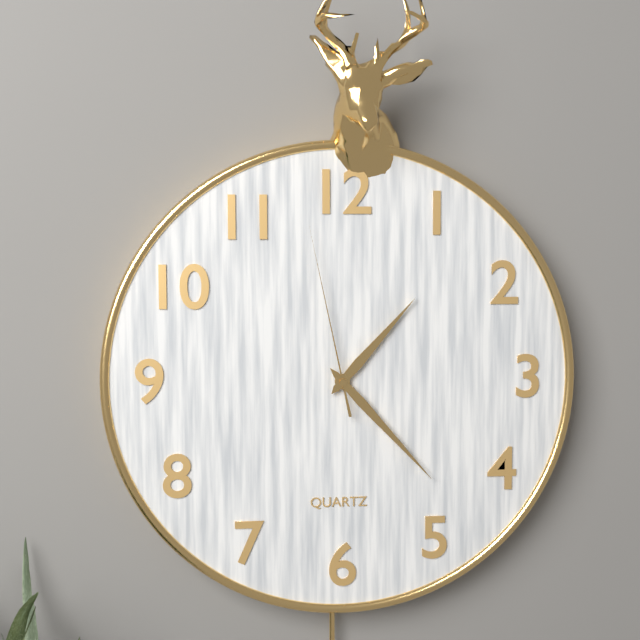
1h23m58s
